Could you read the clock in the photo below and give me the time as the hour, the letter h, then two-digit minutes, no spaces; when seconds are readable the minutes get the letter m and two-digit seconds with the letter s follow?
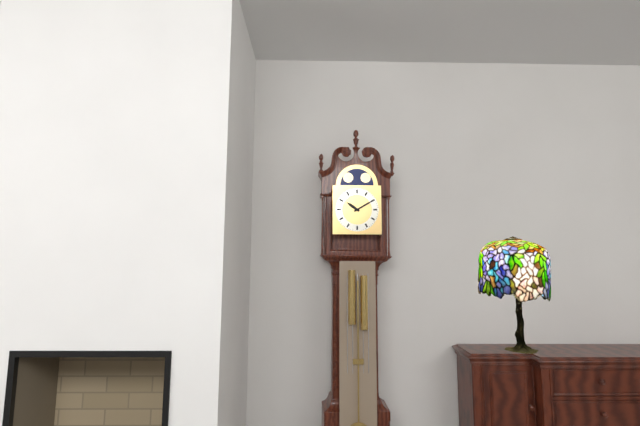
10h10
